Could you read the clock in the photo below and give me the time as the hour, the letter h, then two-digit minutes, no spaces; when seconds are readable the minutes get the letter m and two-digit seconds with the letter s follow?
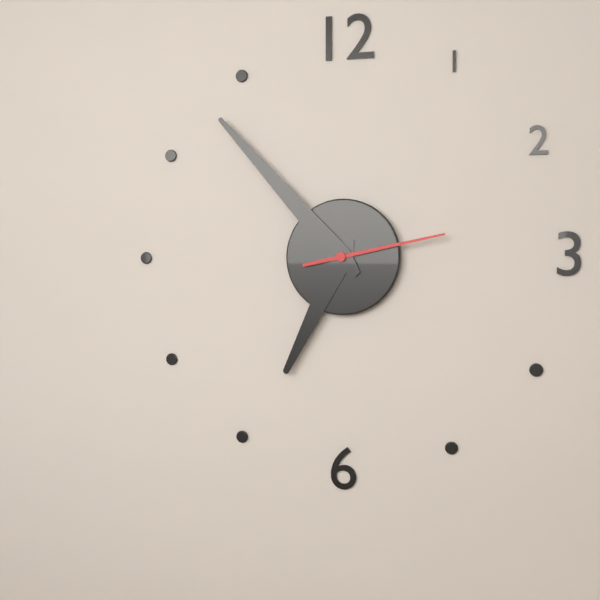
6h53m13s
